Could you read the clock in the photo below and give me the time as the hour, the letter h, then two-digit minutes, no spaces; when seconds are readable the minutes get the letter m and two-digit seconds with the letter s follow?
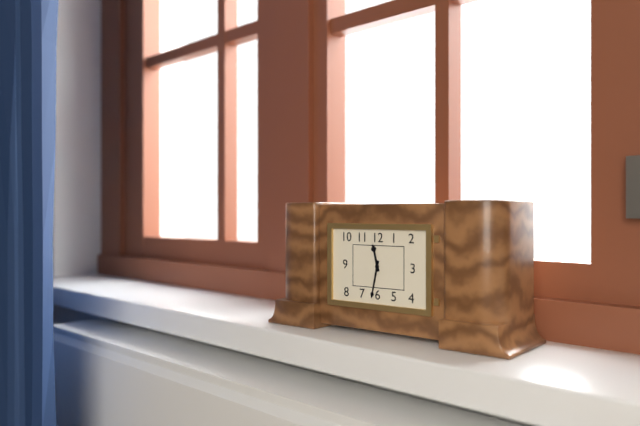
11h32
